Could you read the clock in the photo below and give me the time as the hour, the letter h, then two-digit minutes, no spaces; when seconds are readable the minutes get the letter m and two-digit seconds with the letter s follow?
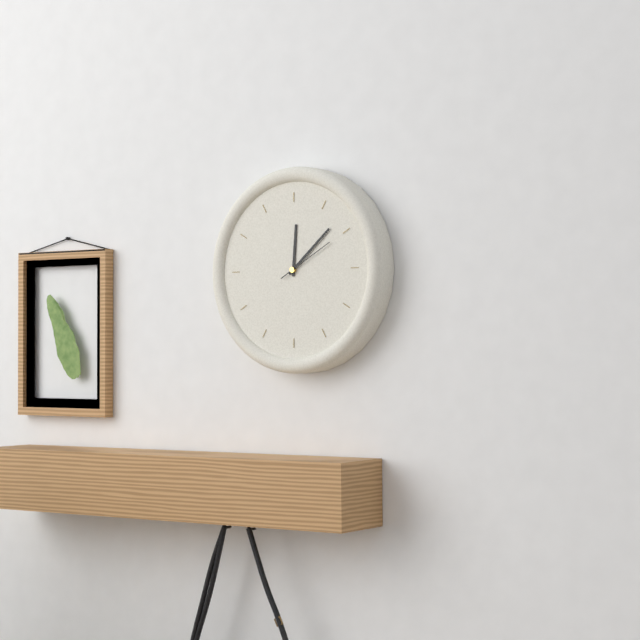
12h08m10s
